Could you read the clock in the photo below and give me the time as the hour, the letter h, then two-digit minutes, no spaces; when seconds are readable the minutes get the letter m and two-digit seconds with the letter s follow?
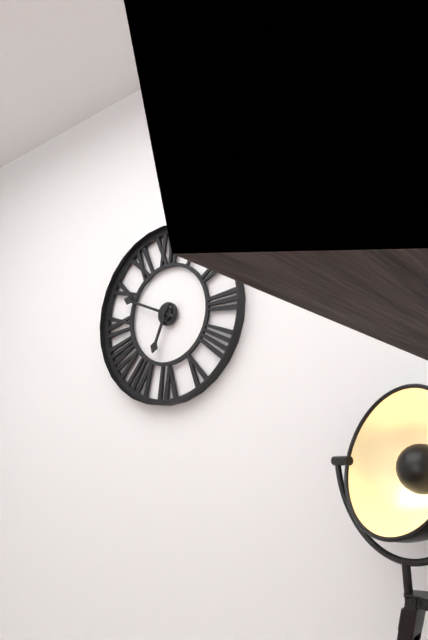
6h49
